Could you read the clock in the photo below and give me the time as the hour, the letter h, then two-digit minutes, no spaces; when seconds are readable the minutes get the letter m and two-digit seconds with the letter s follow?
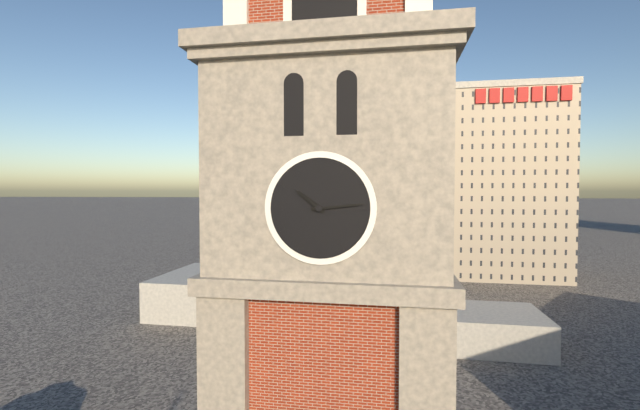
10h14
